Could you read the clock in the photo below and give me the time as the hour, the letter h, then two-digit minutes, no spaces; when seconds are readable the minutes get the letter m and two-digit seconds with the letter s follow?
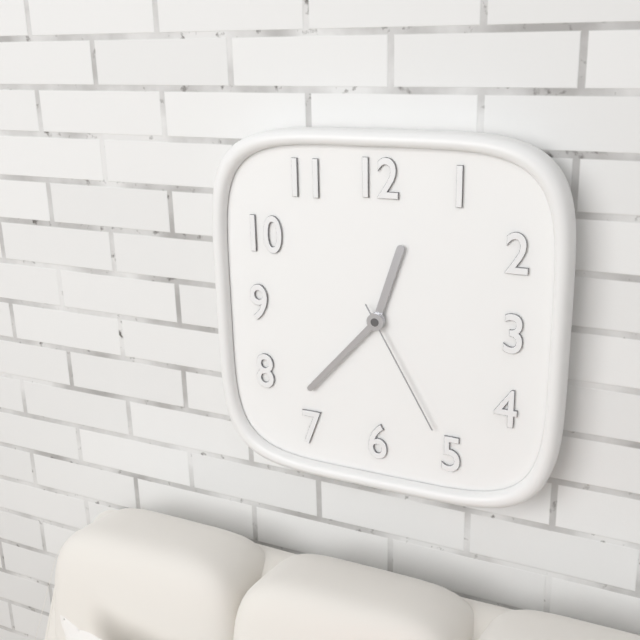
12h37m25s
